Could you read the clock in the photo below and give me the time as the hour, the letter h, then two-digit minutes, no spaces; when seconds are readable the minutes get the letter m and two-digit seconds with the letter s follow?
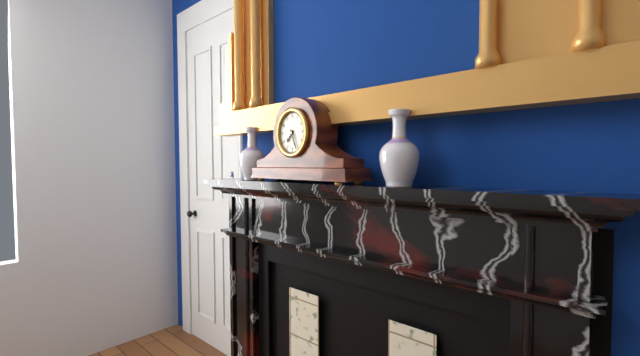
7h26
